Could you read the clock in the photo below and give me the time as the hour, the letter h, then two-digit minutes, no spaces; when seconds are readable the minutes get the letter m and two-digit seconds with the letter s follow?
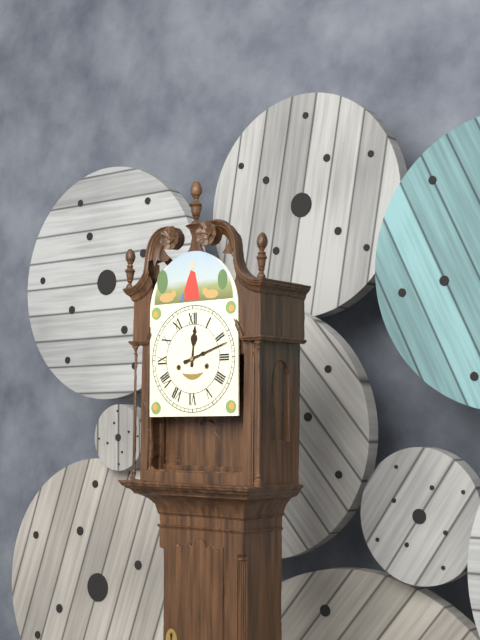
12h12
